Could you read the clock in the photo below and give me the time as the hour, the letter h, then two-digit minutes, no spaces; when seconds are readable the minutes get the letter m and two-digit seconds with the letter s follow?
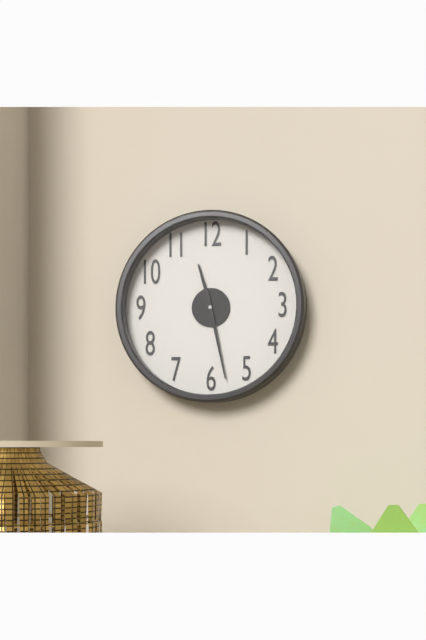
11h28
